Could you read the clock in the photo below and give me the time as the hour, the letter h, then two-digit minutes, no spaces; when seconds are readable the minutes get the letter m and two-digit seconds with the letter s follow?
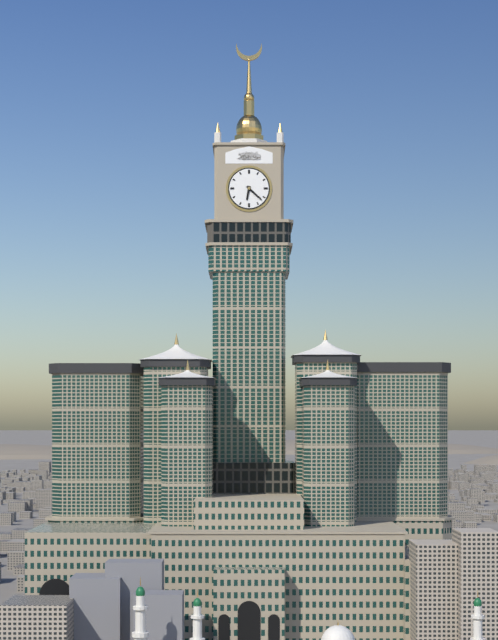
6h22
